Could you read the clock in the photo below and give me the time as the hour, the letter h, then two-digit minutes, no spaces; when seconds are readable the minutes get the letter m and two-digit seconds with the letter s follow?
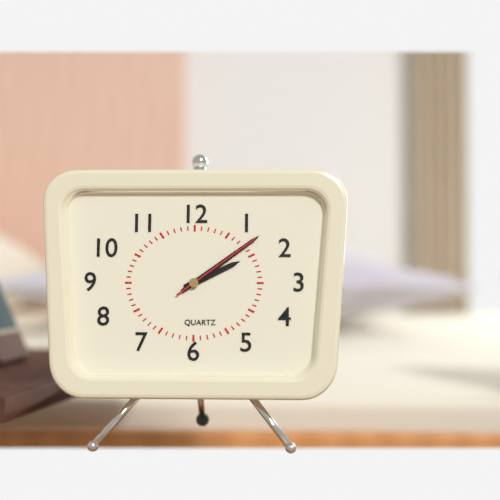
2h09m09s
